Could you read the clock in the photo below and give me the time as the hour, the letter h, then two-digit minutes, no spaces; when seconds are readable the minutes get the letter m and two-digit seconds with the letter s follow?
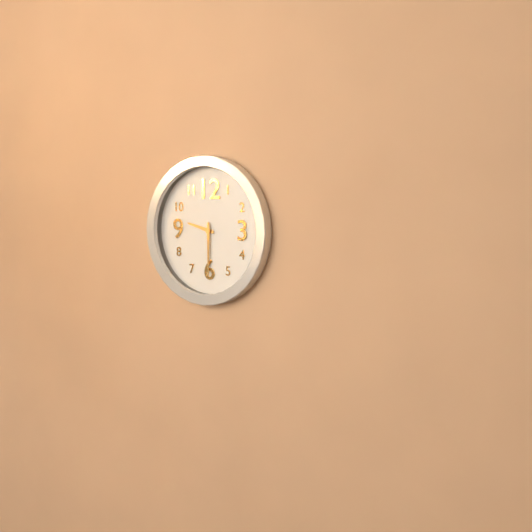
9h30
